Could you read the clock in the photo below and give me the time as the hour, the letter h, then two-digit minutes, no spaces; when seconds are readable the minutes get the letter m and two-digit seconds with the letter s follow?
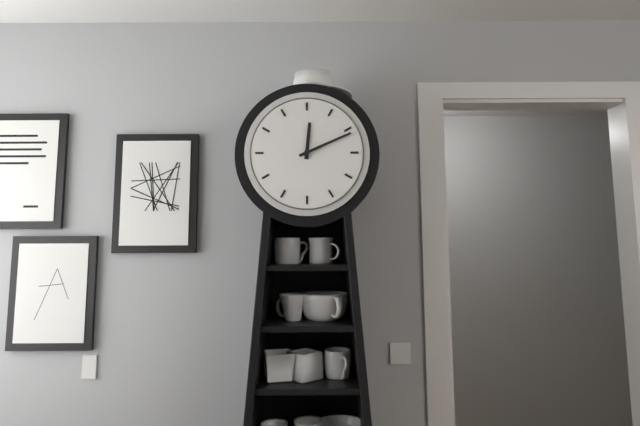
12h11
